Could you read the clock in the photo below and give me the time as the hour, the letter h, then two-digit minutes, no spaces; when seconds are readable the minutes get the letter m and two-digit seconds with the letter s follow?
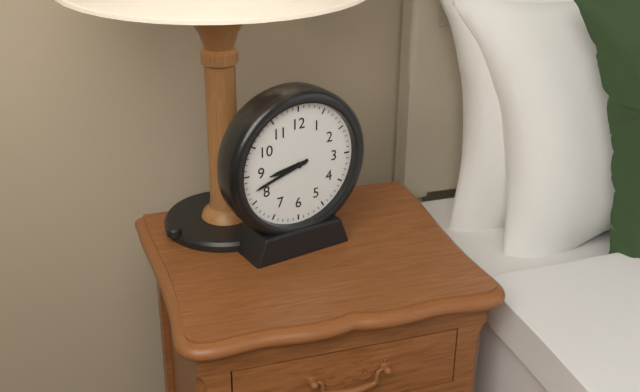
8h42
